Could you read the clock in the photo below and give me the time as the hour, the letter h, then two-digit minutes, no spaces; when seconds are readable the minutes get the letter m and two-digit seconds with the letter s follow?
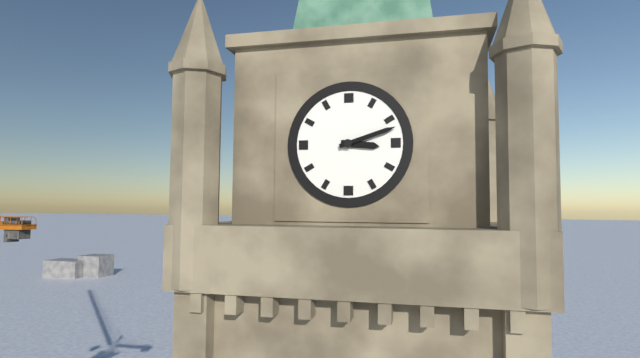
3h12
